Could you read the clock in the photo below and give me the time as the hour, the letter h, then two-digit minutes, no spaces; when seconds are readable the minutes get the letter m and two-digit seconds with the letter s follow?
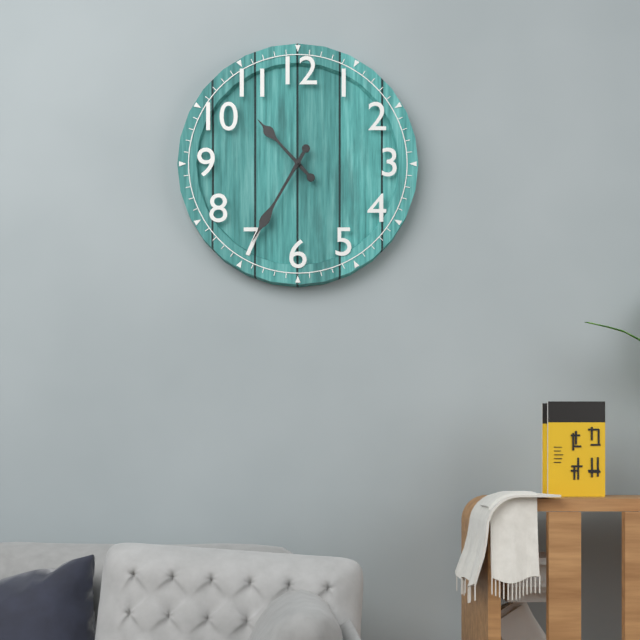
10h35
